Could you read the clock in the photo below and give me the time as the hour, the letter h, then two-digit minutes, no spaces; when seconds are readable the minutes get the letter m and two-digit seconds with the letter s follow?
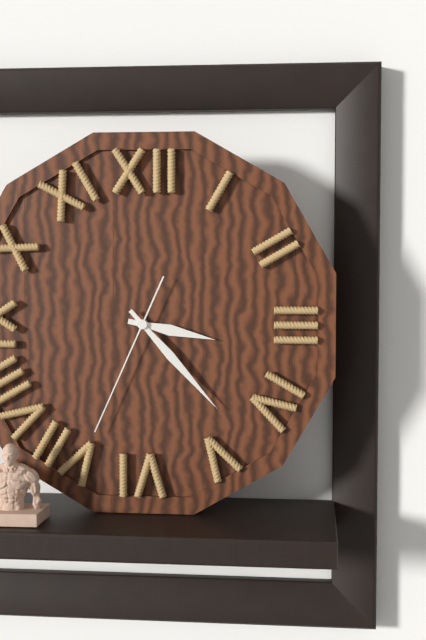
3h23m34s
